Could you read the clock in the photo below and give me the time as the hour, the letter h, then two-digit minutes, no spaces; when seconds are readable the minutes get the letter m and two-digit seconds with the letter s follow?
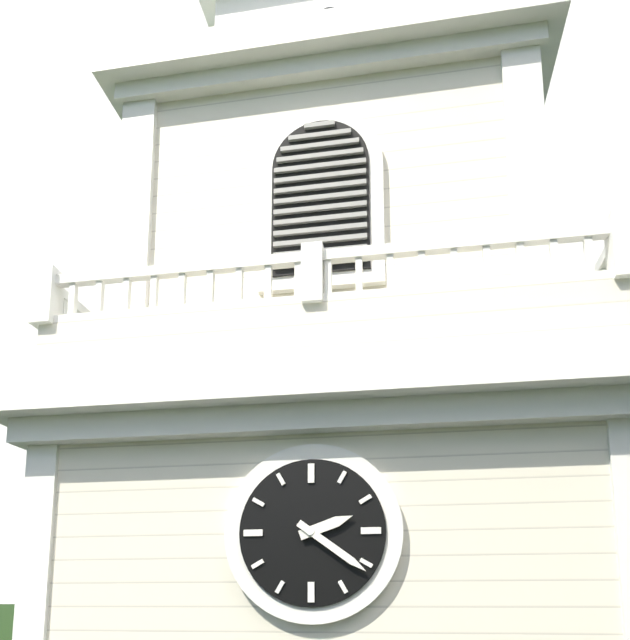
2h21
